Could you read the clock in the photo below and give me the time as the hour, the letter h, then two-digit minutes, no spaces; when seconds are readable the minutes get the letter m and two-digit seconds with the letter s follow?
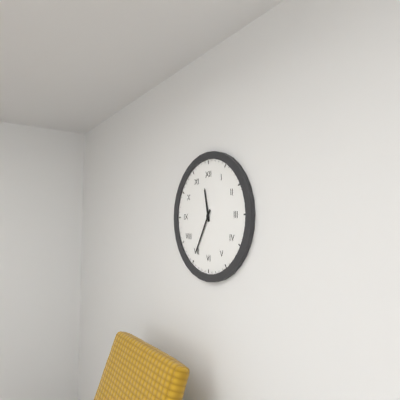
11h35
